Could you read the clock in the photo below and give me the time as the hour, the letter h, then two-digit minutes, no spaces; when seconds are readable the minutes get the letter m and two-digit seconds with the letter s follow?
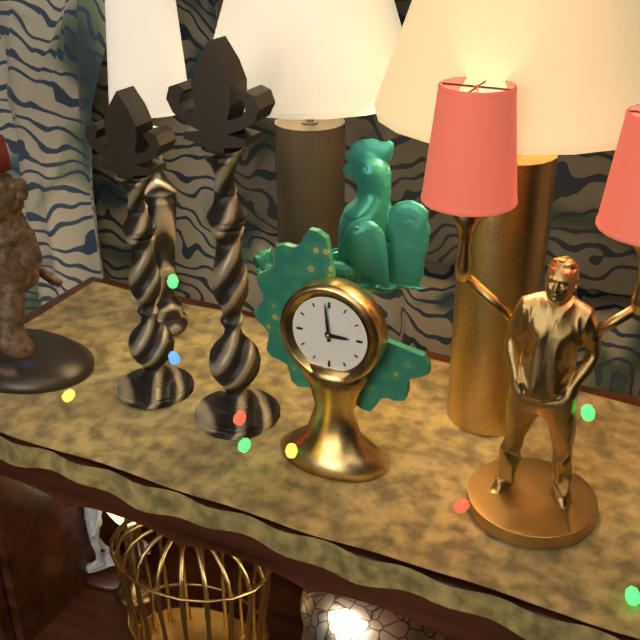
2h59
